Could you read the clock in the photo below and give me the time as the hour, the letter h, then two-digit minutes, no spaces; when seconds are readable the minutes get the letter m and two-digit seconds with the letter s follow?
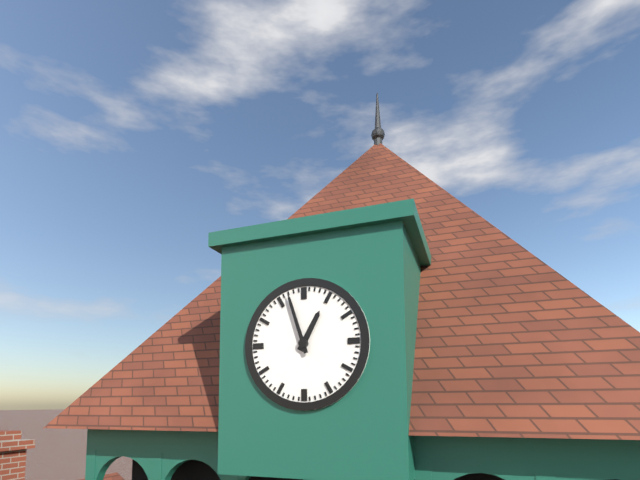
12h57
